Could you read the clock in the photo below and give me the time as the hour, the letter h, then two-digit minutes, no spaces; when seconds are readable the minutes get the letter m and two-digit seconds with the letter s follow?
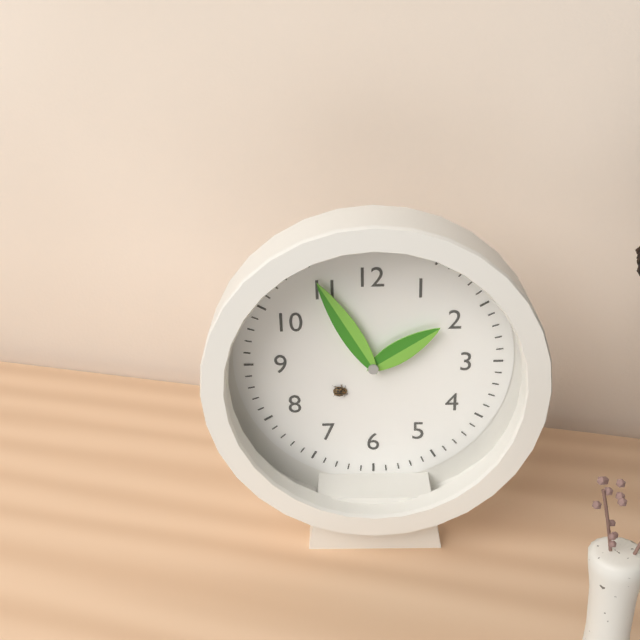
1h55
